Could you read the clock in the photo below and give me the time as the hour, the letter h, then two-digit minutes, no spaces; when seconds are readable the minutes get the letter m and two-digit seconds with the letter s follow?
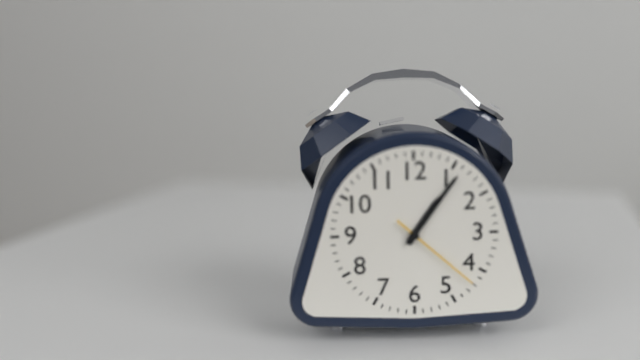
1h06m22s
